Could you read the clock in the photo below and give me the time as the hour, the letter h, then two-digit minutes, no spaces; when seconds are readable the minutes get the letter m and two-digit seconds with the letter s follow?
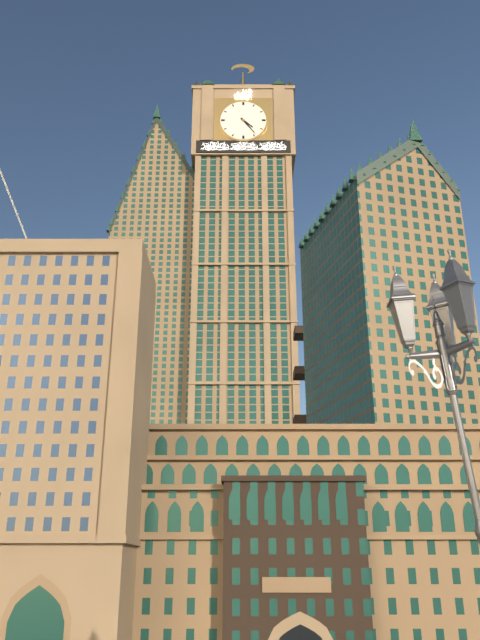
4h24
